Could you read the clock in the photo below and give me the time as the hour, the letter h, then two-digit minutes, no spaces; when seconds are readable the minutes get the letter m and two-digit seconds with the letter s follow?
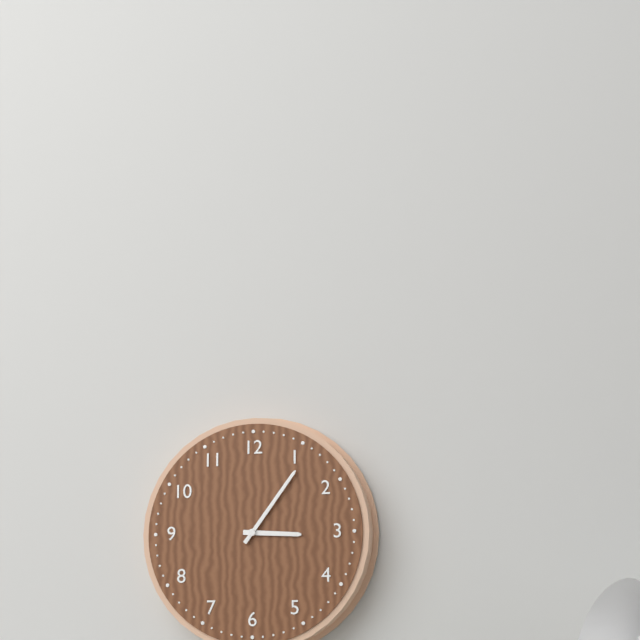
3h06
